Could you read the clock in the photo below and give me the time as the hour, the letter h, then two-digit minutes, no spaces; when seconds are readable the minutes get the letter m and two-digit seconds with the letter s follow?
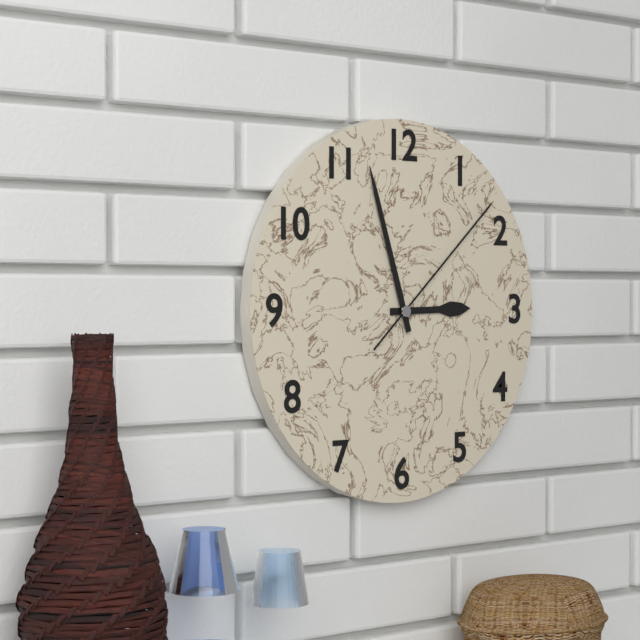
2h57m08s
